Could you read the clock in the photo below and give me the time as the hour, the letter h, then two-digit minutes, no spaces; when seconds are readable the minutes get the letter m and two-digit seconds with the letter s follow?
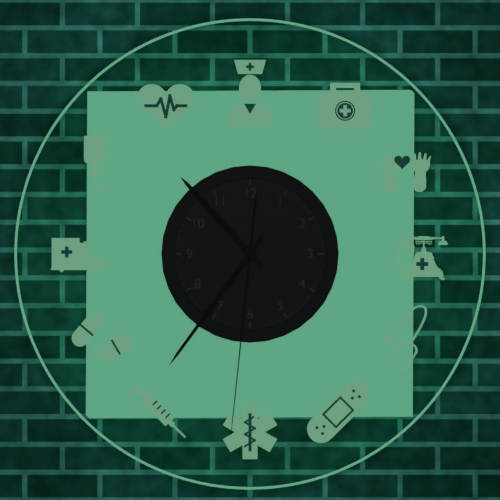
10h36m31s
